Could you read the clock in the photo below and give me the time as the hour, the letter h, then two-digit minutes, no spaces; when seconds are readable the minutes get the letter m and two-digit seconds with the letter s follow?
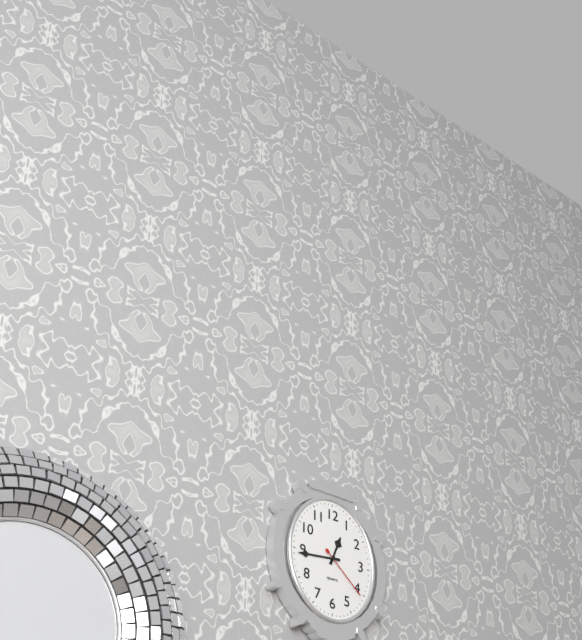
12h44m22s
